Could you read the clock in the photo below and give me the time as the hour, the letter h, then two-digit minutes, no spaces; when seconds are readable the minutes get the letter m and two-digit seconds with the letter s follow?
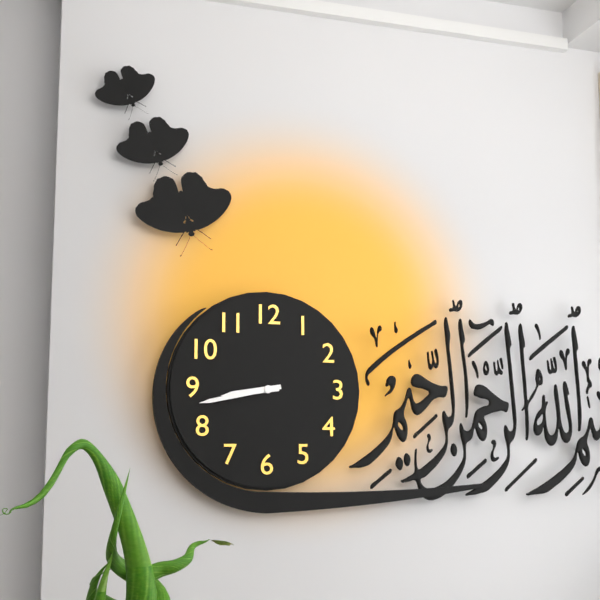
8h43
